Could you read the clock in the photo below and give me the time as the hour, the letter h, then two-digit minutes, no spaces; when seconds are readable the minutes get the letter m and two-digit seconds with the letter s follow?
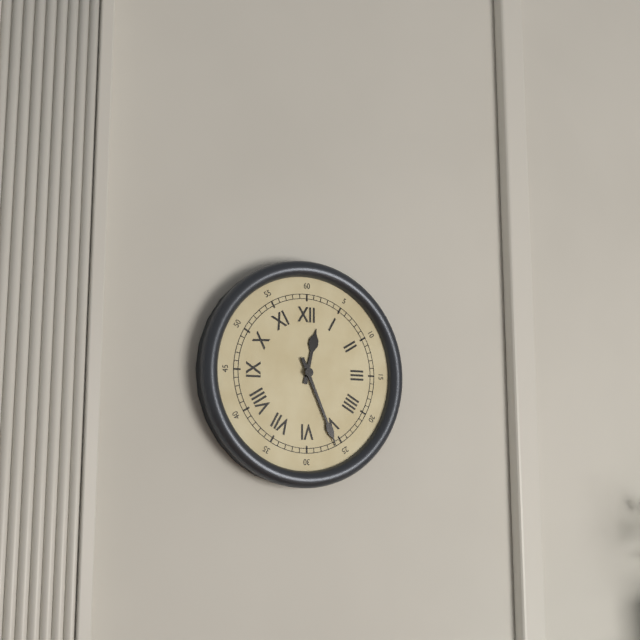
12h26
